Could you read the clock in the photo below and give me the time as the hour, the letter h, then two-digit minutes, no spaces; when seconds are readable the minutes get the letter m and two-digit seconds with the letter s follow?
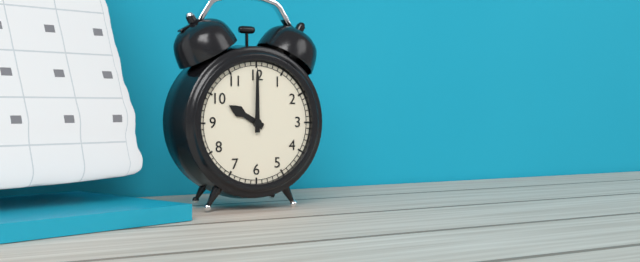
10h00
